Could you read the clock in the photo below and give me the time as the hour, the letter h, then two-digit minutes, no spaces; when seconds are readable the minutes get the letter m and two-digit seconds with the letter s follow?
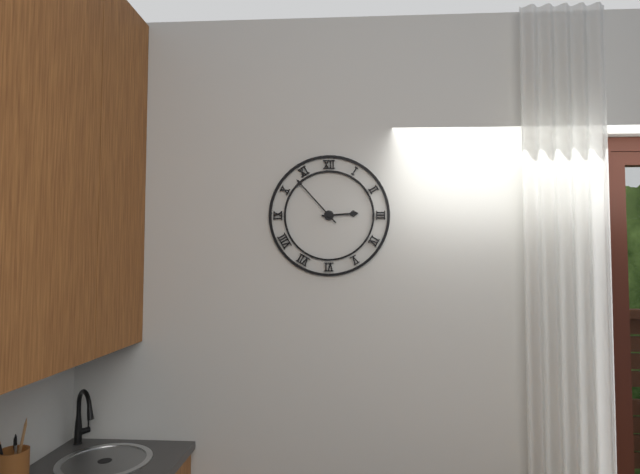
2h53
